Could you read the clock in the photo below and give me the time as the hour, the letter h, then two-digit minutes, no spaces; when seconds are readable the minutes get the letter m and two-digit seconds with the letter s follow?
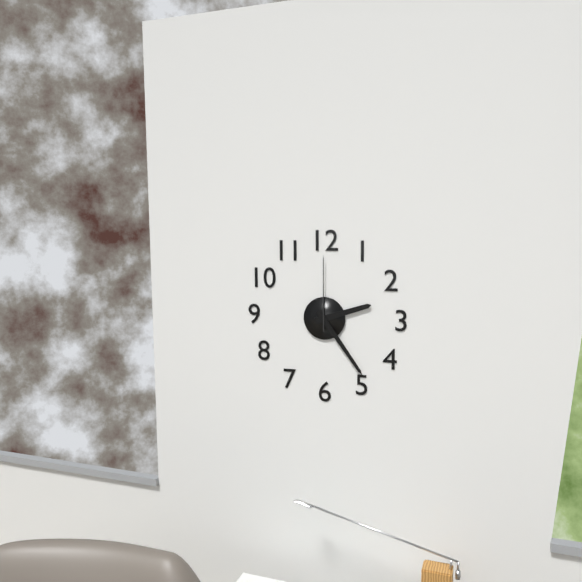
2h24m00s
